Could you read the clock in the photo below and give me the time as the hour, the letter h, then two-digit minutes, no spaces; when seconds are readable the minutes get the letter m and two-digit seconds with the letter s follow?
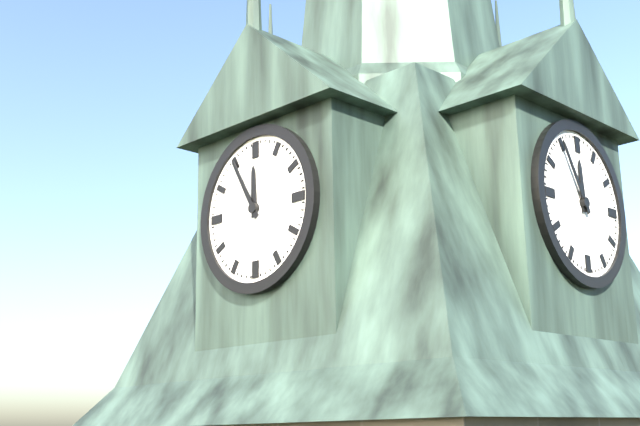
11h55
